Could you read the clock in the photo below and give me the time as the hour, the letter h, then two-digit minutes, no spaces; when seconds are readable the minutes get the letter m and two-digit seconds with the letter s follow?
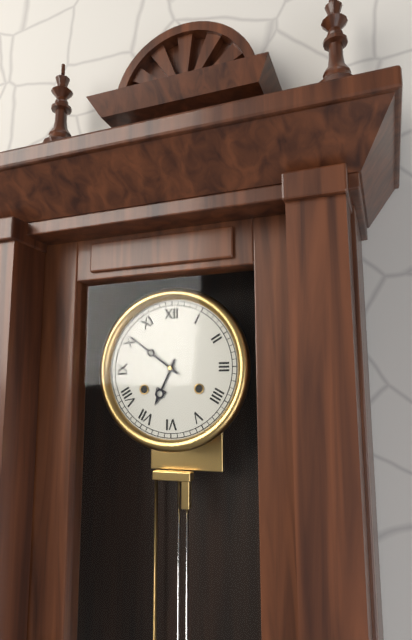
6h51
